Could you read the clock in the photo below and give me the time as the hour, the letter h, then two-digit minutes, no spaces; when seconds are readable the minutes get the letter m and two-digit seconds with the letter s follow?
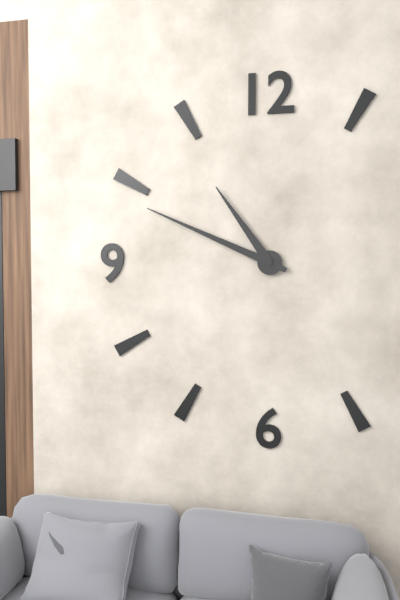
10h49
